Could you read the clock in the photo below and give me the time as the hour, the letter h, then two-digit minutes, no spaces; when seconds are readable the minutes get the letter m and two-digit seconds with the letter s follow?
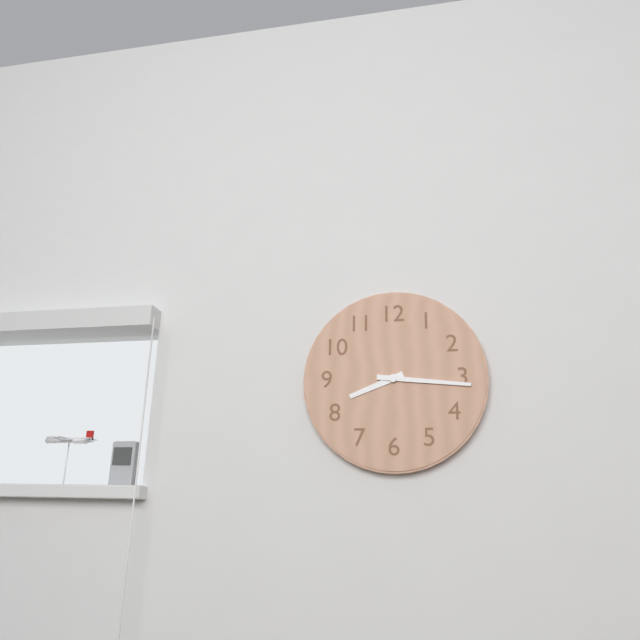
8h16
